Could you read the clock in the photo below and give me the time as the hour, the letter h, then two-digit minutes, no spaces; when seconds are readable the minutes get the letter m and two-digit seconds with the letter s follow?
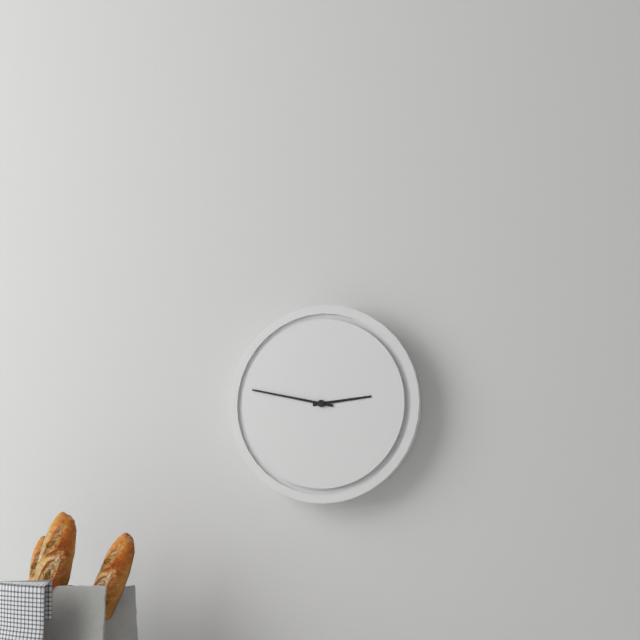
2h47
